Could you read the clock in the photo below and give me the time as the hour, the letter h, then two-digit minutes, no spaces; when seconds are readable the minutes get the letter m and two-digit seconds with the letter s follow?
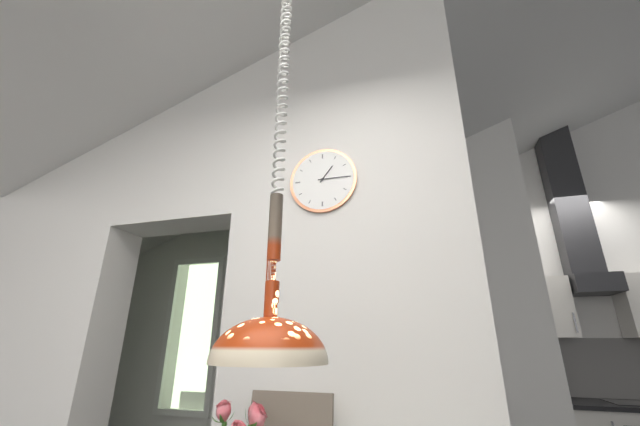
1h15
